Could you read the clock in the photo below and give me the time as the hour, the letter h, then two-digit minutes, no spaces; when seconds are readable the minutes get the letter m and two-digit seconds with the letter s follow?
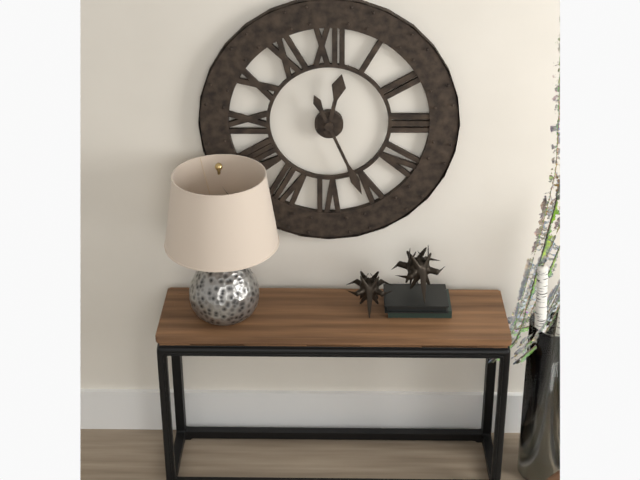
12h26
